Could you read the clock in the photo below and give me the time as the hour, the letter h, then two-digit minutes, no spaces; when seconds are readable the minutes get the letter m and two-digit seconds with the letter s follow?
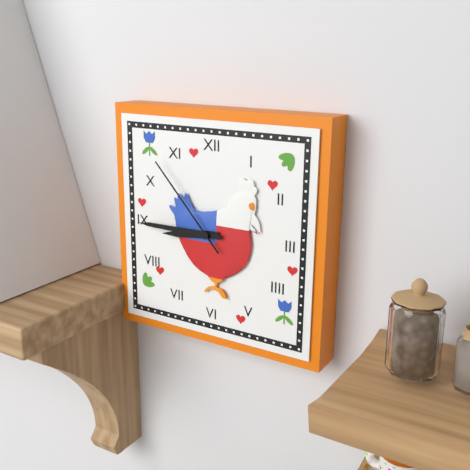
8h45m53s
